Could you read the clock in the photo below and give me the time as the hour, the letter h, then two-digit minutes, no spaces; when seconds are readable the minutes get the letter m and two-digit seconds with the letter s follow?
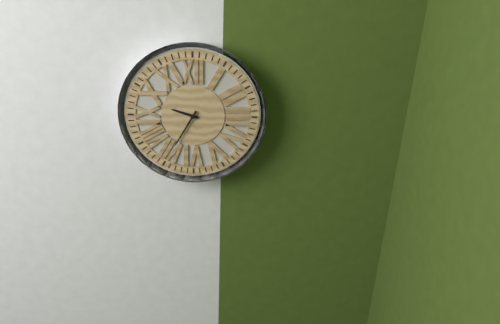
9h35
